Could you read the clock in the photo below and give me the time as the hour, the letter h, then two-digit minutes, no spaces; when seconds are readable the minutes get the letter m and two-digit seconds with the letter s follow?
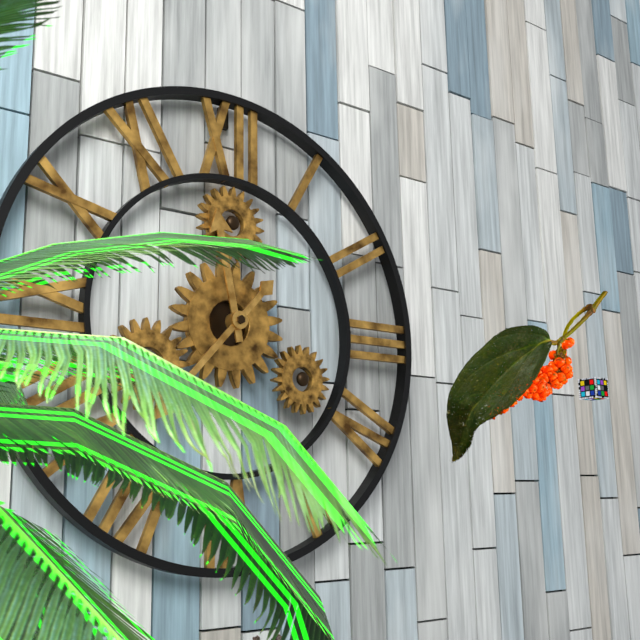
11h37
